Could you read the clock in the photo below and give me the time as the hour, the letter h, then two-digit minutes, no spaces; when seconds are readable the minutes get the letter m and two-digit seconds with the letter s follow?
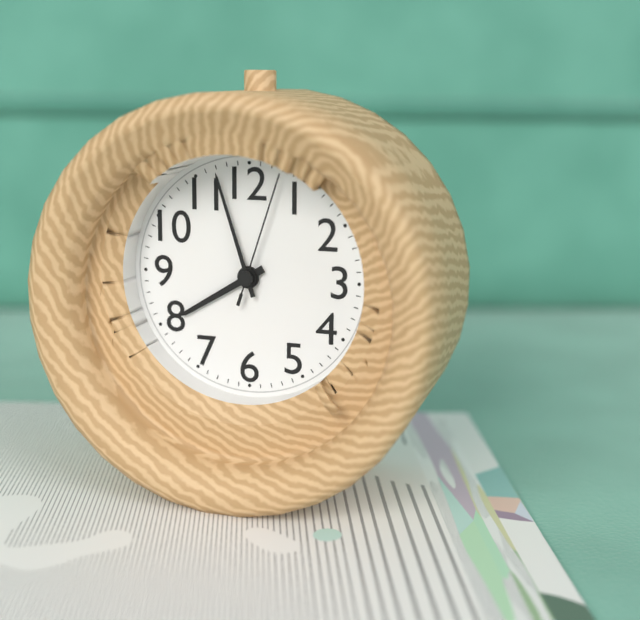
7h57m03s
